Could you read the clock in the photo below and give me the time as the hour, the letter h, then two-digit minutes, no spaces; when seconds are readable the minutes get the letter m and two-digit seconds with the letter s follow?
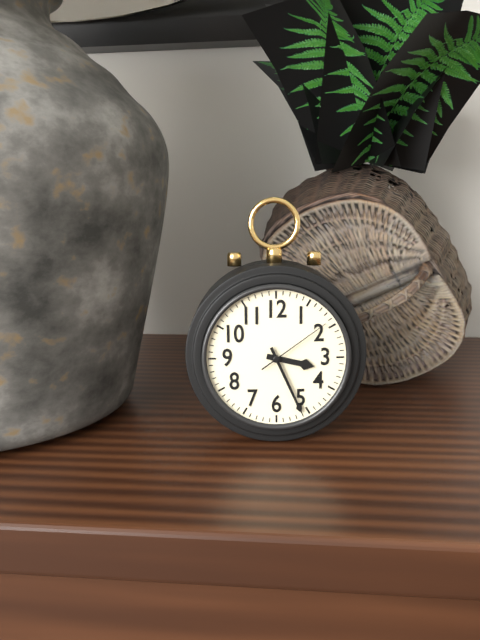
3h26m09s
